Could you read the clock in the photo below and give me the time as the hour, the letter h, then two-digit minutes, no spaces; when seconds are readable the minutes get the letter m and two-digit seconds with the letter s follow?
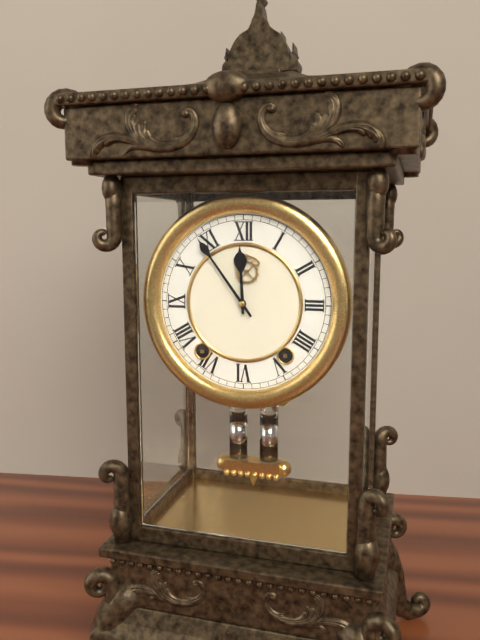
11h54
